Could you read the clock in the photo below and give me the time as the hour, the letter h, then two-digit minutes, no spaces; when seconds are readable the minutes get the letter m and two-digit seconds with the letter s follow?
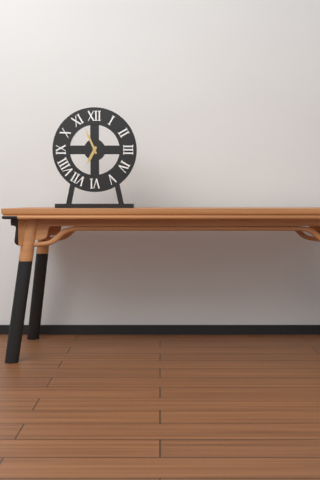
6h56
